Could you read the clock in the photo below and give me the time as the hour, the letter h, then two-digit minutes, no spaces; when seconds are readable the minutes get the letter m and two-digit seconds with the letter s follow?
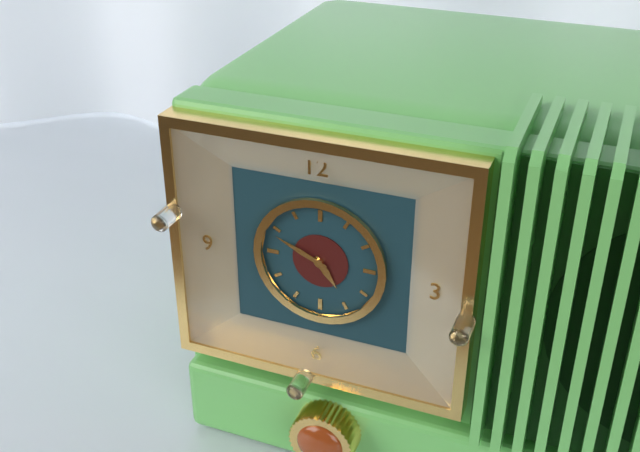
4h49
